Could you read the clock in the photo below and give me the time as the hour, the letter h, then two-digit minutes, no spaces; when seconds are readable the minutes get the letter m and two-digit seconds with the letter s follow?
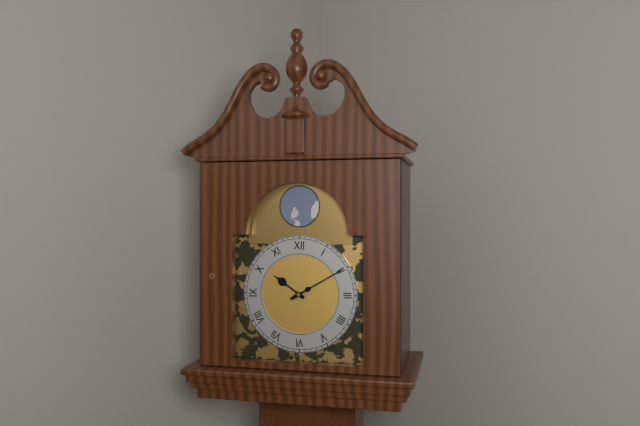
10h10
